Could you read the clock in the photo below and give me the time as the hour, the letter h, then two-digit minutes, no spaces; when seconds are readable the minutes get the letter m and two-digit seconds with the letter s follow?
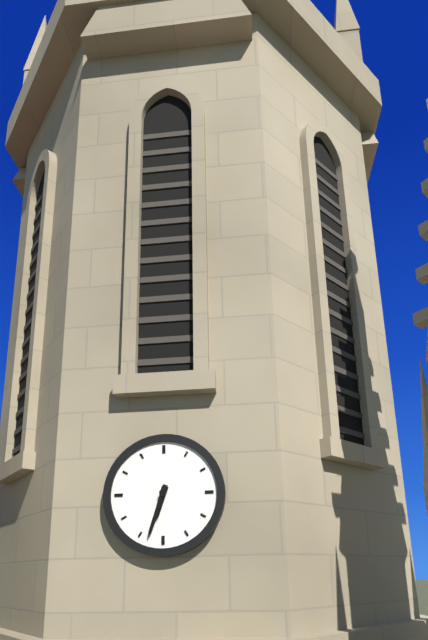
6h33
